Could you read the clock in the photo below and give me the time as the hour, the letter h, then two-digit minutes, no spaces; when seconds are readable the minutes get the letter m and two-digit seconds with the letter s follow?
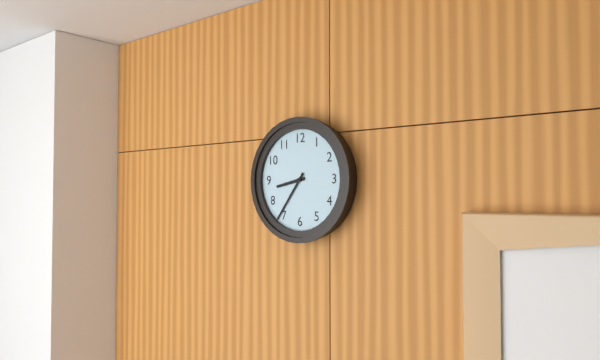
8h36
